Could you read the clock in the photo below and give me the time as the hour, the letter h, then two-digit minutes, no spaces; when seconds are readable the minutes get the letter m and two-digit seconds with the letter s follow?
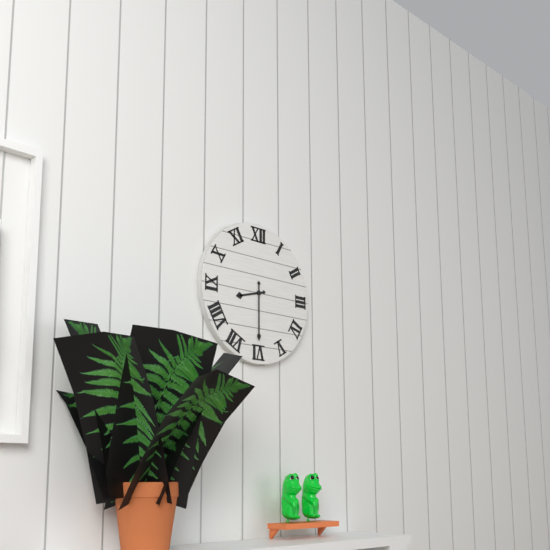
8h30
